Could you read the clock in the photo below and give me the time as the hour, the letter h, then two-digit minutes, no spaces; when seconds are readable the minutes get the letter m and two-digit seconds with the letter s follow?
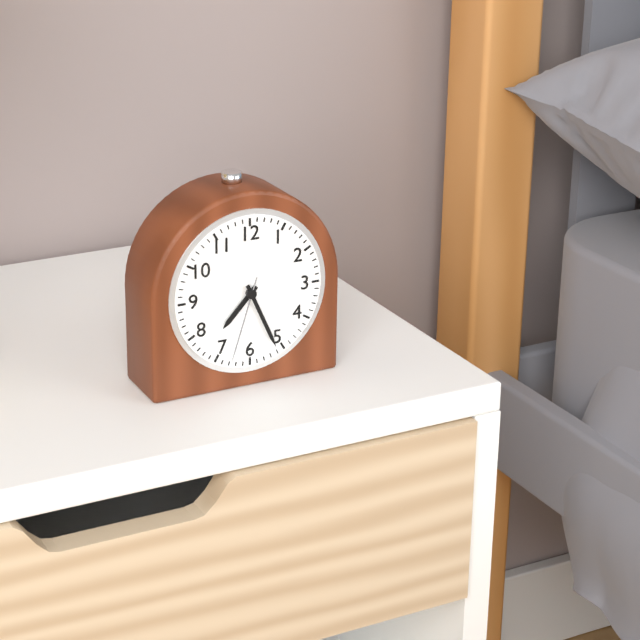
7h26m33s
